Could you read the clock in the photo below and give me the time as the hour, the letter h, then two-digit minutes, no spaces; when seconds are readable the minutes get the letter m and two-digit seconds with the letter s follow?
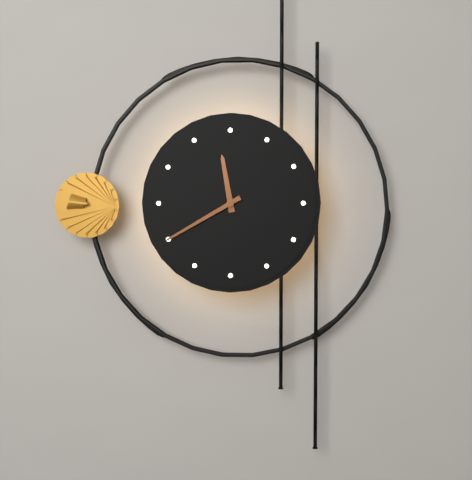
11h40
